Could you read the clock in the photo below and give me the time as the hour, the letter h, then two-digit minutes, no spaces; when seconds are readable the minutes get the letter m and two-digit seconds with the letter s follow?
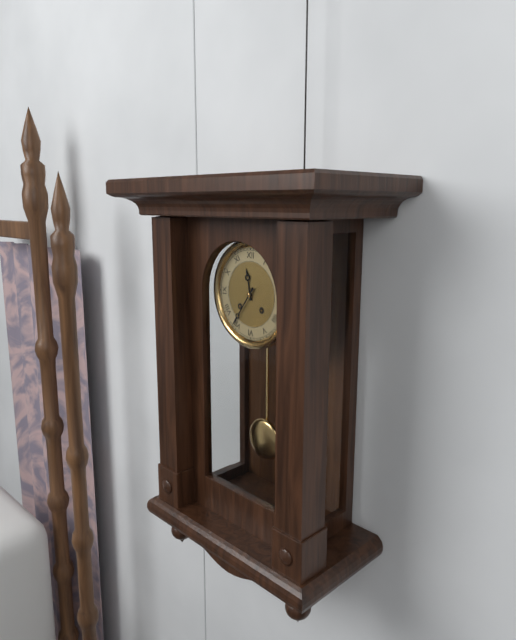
11h36
